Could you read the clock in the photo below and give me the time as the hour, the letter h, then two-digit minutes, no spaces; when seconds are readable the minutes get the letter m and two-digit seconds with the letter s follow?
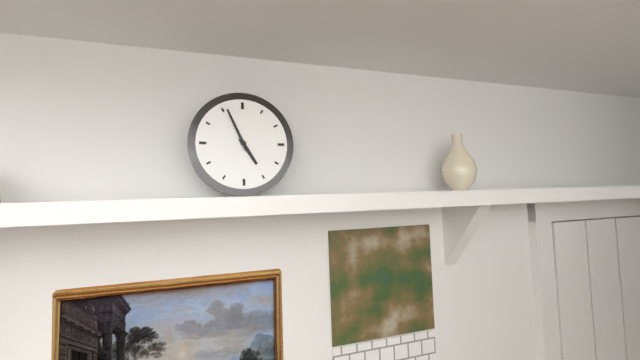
4h56
